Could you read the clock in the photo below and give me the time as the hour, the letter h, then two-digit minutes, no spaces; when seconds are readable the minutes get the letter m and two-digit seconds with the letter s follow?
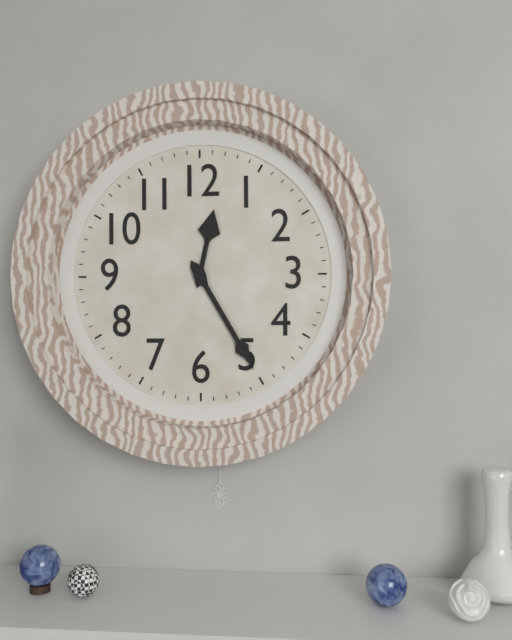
12h25
